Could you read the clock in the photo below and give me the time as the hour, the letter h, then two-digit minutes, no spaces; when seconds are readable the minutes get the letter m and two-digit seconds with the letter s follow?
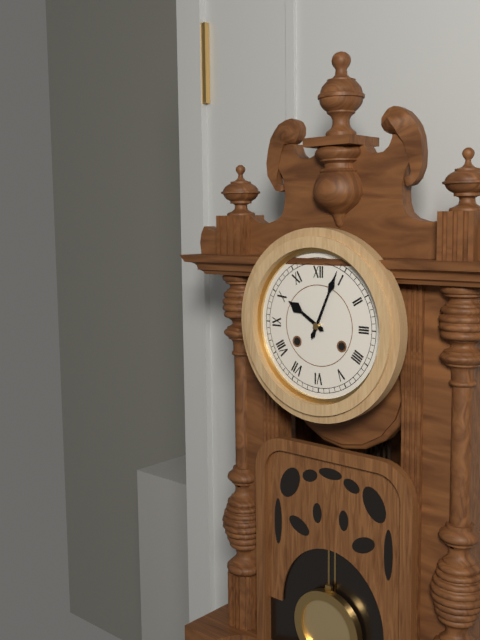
10h04
